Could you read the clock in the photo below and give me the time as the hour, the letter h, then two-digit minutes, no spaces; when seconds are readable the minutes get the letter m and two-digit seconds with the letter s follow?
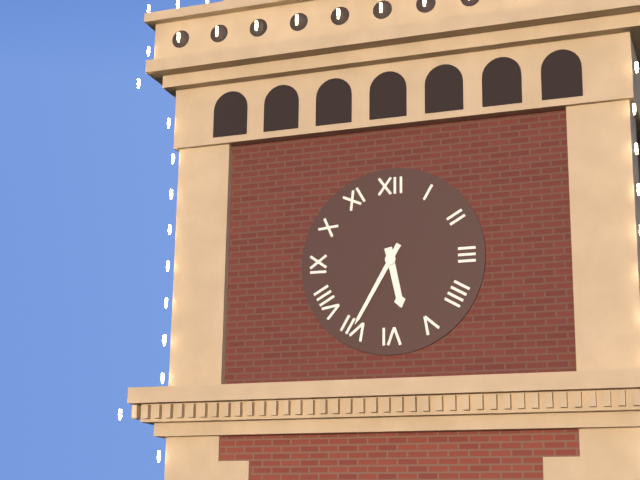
5h35
